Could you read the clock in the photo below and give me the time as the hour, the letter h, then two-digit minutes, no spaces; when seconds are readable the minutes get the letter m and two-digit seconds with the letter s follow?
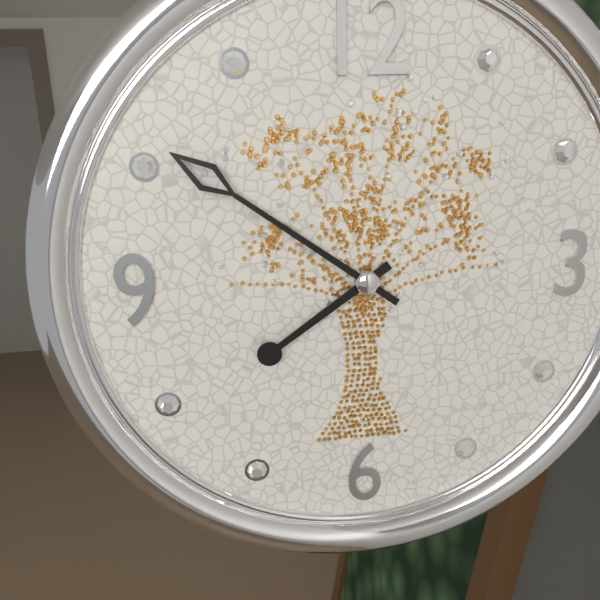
7h51
